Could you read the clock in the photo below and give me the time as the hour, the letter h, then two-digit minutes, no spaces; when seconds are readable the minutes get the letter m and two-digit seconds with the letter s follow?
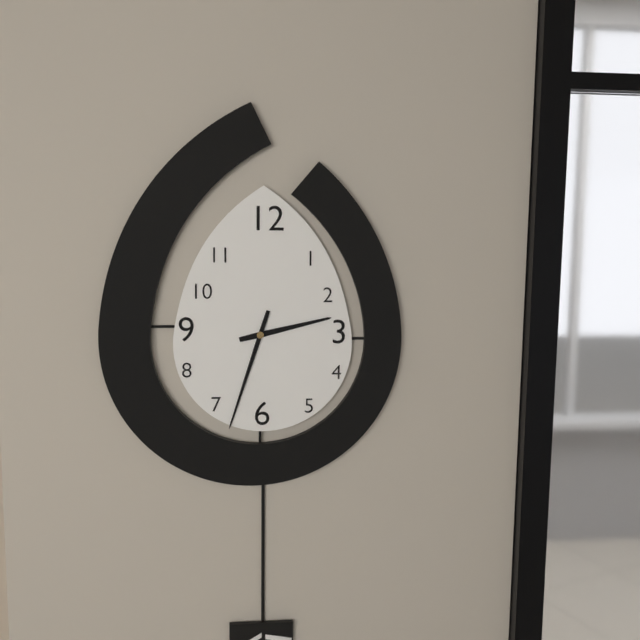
2h33
